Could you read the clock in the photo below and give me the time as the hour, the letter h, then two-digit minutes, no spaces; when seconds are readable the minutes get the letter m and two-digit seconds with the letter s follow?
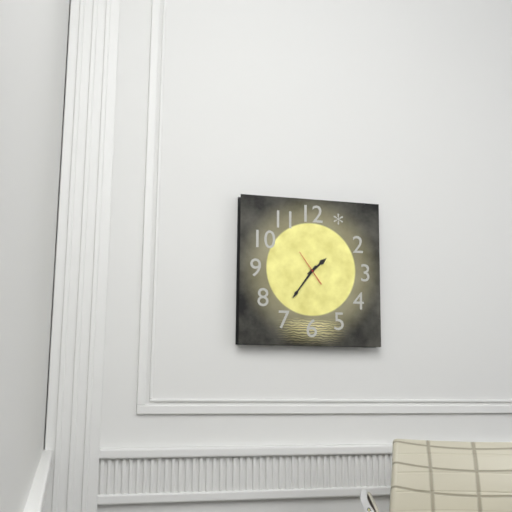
1h36
